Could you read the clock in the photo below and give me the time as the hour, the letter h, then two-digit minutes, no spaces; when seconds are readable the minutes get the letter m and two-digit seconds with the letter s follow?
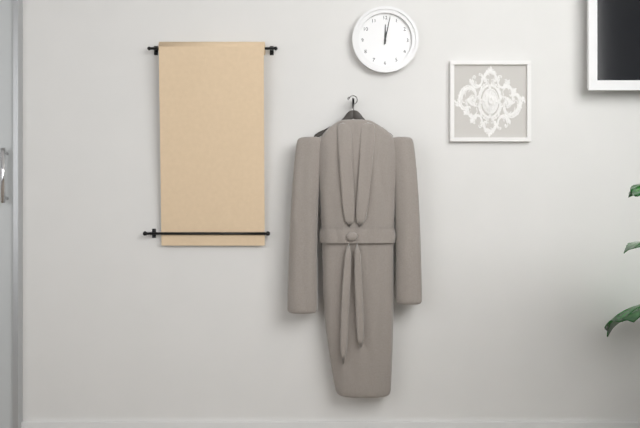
12h02
